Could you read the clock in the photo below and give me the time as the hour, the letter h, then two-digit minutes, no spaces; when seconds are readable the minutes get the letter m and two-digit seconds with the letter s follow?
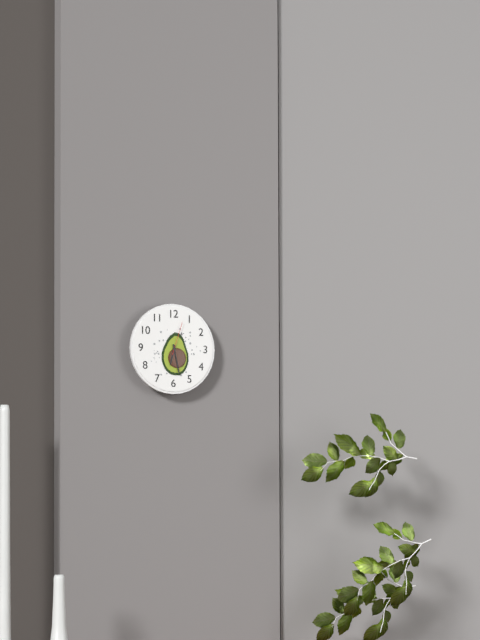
6h28
